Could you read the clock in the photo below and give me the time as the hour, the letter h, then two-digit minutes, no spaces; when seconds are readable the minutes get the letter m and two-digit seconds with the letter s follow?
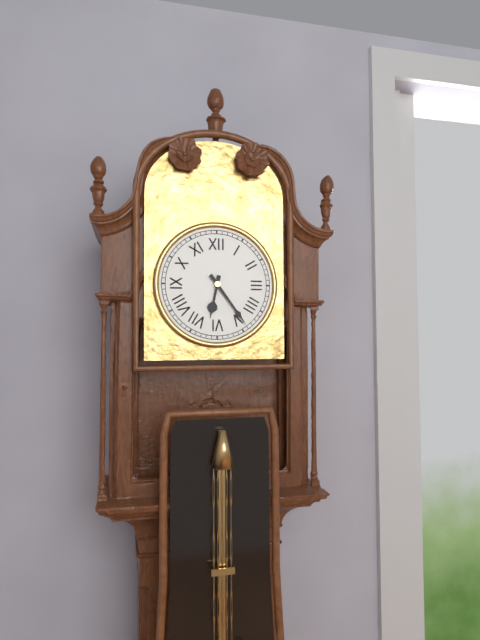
6h24
